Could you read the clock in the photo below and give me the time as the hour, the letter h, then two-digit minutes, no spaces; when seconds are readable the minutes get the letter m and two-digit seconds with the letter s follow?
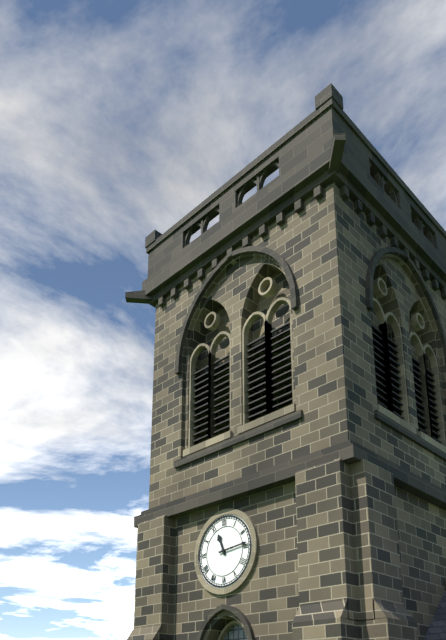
11h14
